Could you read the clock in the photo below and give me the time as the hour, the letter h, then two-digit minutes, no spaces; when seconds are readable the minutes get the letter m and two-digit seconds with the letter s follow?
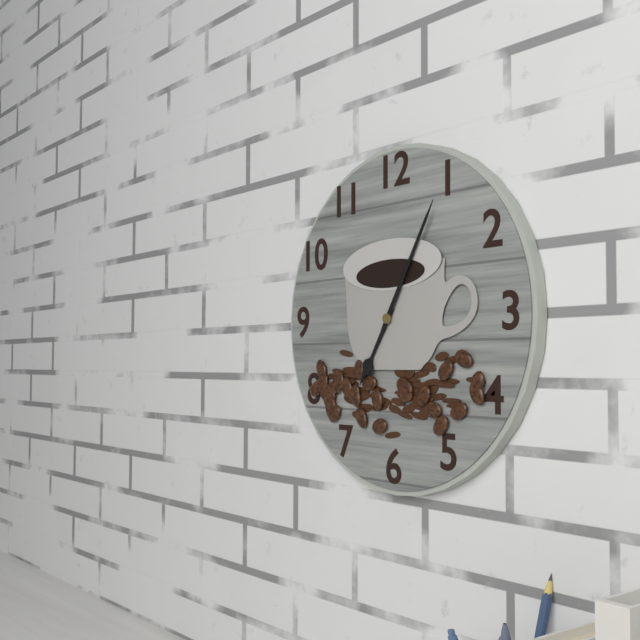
7h05
